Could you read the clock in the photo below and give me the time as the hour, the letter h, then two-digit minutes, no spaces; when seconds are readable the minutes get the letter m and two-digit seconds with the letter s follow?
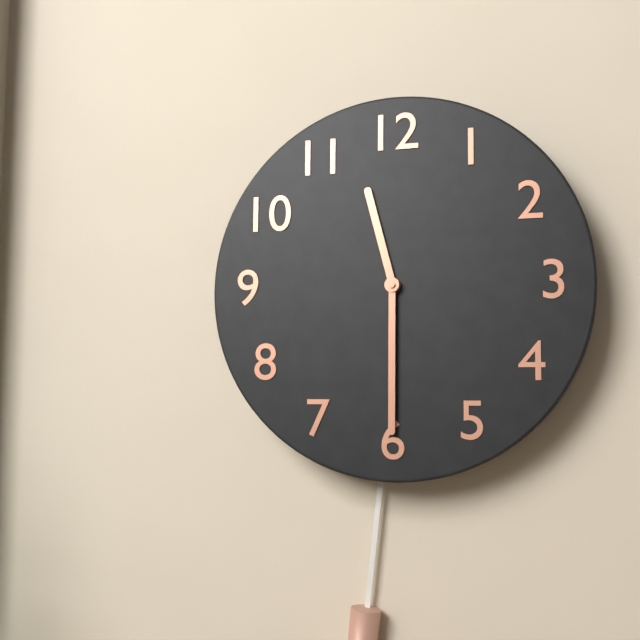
11h30
